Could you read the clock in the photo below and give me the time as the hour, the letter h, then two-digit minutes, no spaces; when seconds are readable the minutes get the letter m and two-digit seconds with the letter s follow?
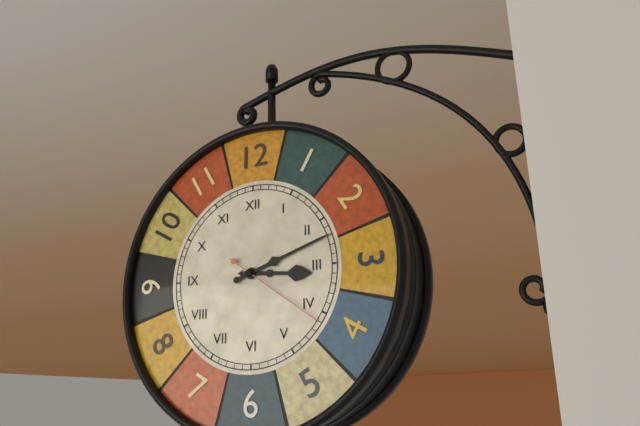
3h12m21s
